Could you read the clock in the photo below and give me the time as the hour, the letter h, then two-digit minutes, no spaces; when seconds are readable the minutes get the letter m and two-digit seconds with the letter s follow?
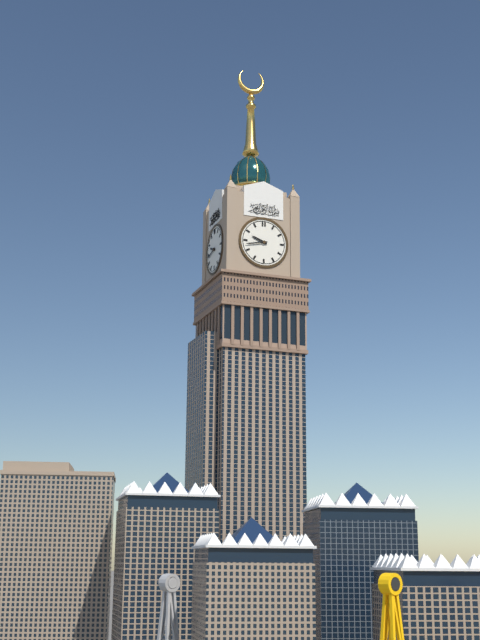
9h43
